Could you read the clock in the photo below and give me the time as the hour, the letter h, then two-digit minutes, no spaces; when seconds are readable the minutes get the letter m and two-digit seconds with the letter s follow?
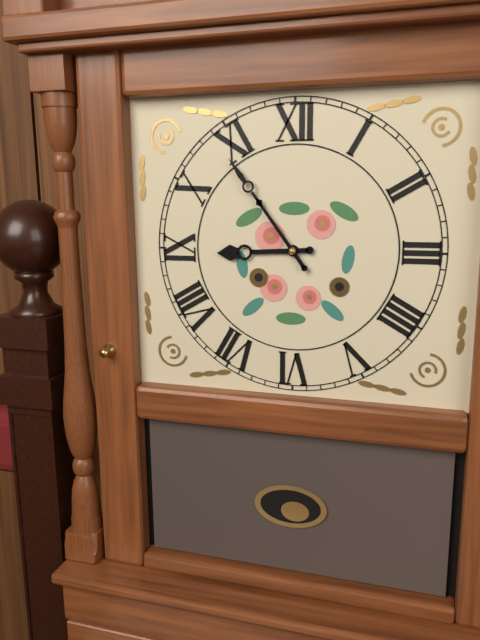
8h54
